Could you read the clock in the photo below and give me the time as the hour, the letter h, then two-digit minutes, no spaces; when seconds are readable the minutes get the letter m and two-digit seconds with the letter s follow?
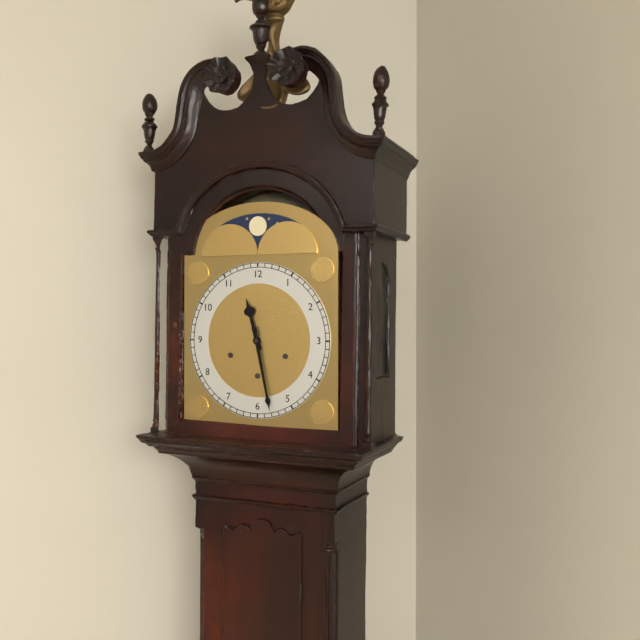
11h28
